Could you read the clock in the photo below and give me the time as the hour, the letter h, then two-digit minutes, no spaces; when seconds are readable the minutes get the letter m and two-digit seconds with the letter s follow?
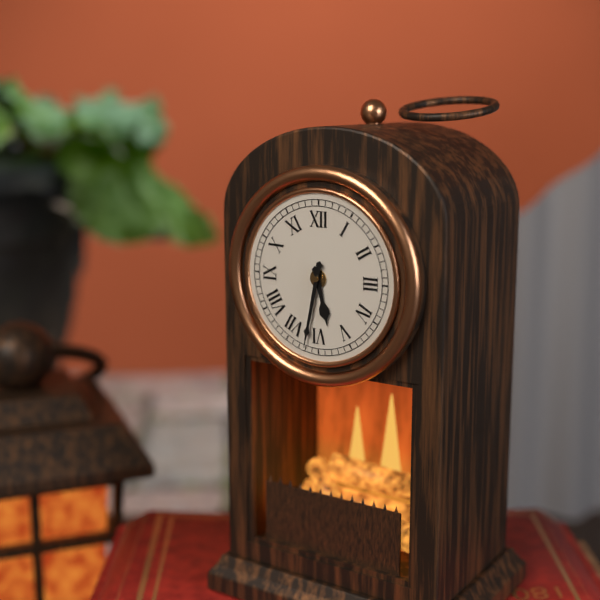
5h32
